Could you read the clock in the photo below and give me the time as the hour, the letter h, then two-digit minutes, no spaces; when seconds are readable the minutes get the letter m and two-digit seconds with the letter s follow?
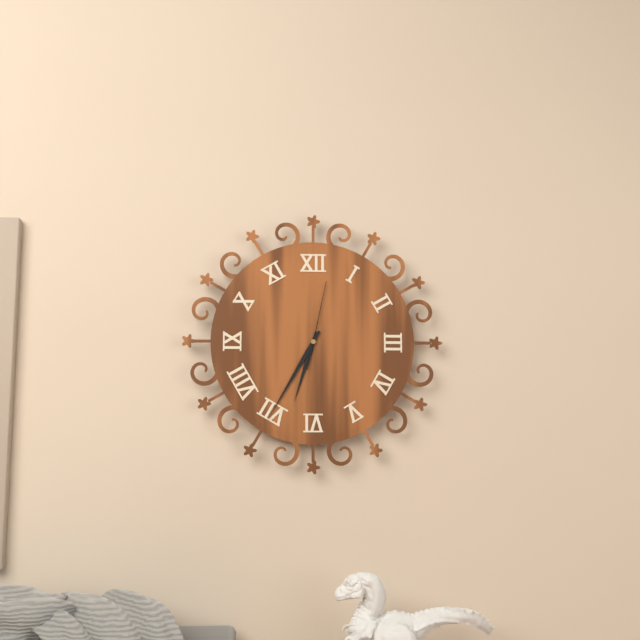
6h35m02s
